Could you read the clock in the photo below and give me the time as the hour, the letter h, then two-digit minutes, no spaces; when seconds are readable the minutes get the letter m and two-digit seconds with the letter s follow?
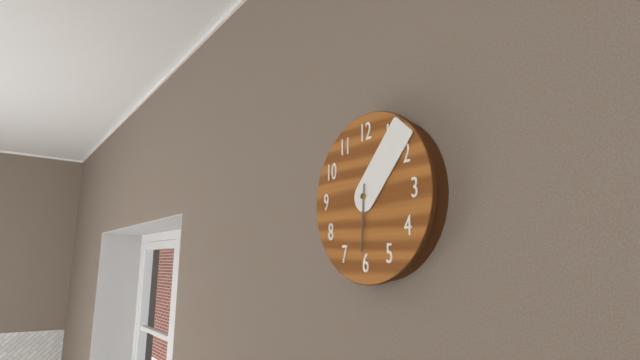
6h07
